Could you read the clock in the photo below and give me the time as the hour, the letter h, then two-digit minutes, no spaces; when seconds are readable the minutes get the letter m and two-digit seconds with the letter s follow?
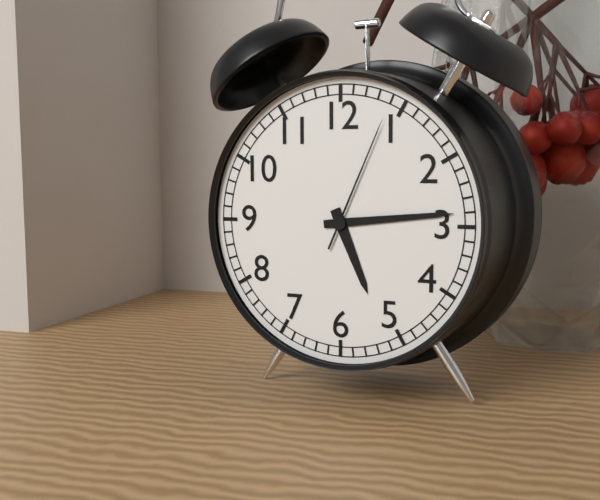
5h14m04s
